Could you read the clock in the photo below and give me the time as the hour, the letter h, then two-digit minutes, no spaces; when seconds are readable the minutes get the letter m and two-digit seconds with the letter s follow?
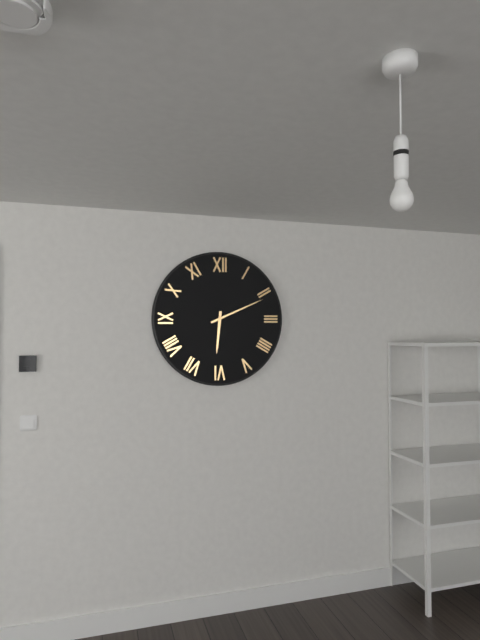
6h11
